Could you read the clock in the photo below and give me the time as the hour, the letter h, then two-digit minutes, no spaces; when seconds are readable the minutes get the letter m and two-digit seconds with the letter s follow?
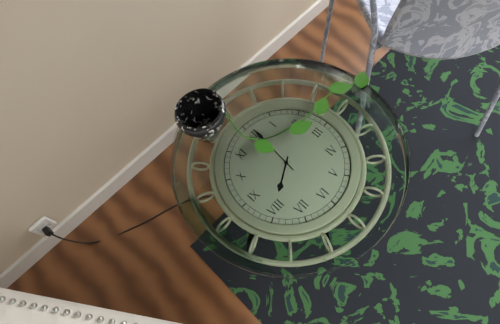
8h01
